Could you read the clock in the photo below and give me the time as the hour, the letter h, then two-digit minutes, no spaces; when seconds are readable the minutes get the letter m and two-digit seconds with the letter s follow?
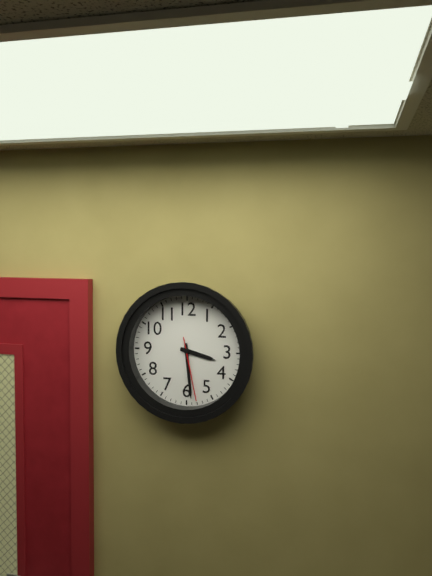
3h29m28s
